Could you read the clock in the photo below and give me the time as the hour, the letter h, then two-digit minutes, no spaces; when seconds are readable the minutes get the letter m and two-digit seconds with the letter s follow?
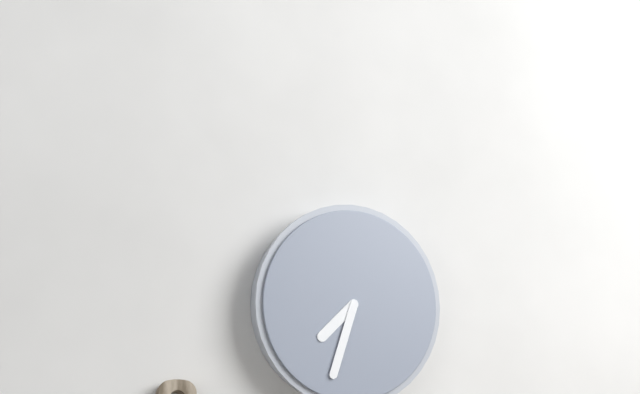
7h33
